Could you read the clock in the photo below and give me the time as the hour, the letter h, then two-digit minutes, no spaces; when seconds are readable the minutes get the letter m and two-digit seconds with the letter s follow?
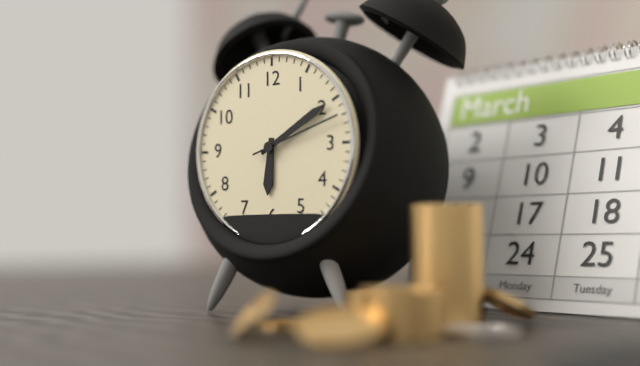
6h10m12s
